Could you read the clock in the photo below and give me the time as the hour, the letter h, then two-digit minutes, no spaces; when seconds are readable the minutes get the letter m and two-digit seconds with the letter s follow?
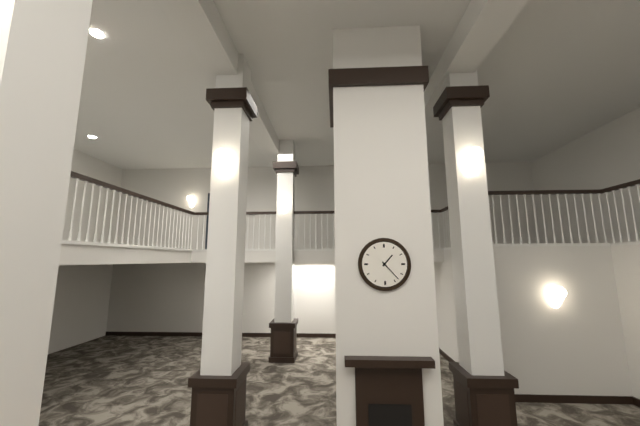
1h23
